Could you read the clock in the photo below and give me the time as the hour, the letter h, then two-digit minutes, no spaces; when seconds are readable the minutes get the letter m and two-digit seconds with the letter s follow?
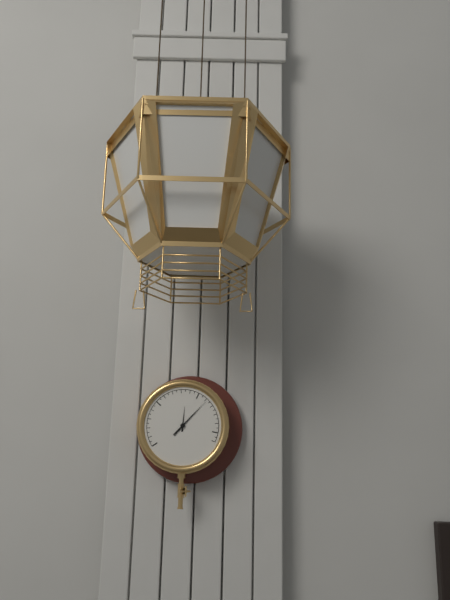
12h07
